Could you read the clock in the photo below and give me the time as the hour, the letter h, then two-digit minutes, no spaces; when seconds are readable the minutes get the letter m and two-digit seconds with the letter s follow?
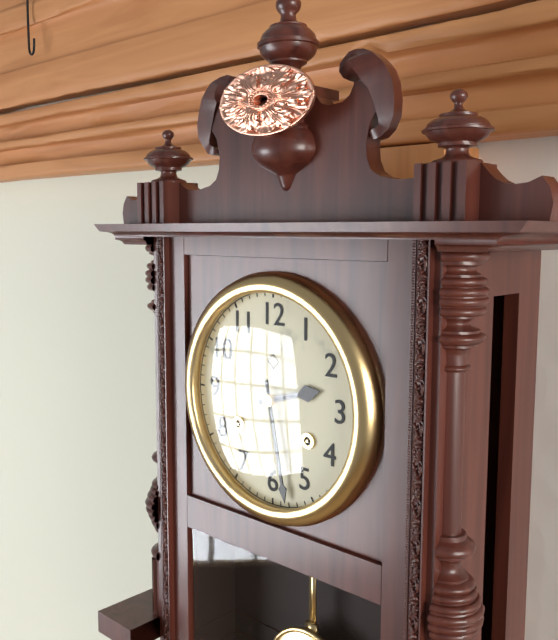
2h28
